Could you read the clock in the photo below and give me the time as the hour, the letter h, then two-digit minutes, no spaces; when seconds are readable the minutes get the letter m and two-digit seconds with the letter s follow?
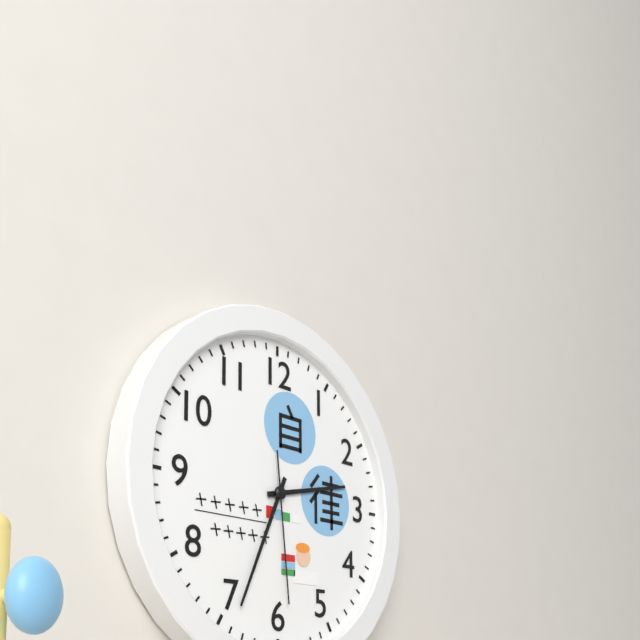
2h34m29s
